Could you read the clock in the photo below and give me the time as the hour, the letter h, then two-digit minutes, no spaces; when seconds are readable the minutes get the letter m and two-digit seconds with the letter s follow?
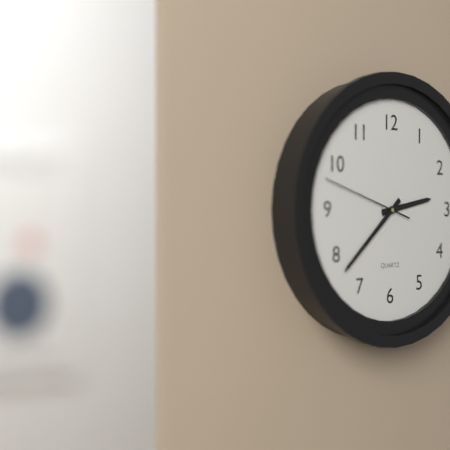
2h38m48s
